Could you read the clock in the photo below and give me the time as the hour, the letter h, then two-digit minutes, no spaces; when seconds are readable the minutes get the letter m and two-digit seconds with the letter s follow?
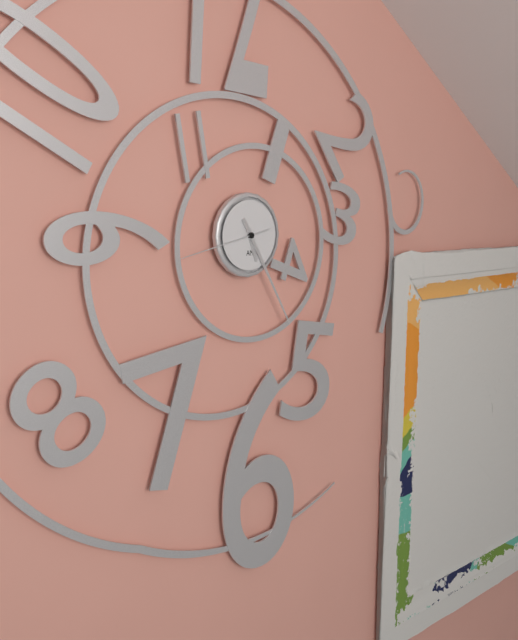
5h25m43s
